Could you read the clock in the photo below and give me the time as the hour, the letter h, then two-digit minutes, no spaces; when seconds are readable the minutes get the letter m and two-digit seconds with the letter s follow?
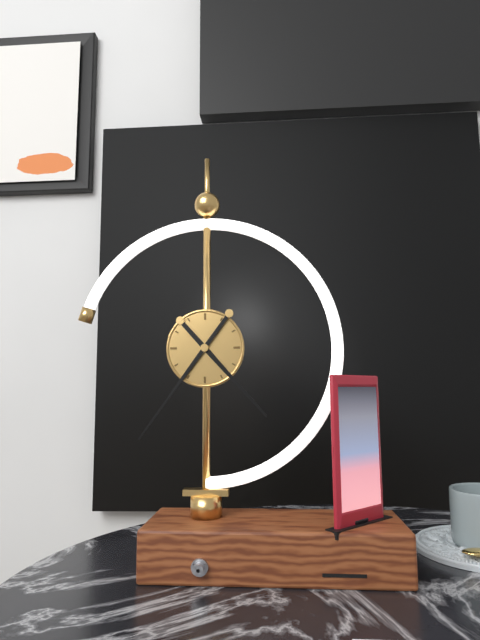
4h36
